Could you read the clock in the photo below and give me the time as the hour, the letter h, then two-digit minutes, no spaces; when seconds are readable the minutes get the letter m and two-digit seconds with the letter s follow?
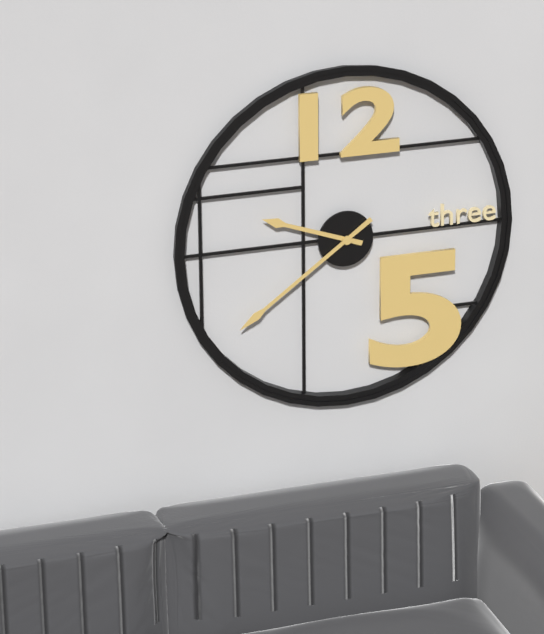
9h39
